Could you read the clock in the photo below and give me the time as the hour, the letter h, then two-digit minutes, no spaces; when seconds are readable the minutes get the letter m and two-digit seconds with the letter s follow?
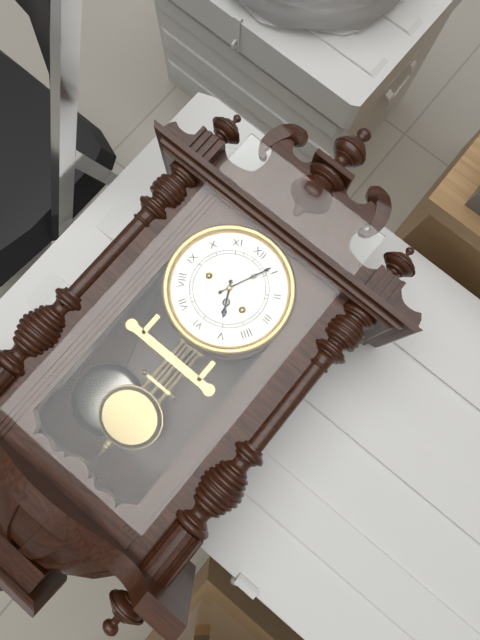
5h04
